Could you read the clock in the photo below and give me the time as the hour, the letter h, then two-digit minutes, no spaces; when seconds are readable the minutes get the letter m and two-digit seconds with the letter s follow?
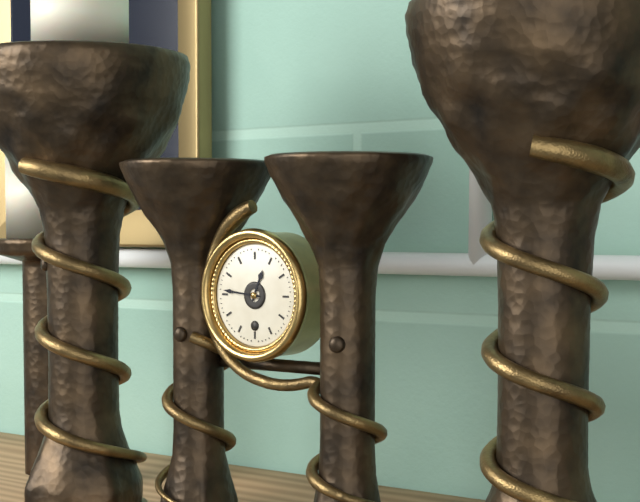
12h46
